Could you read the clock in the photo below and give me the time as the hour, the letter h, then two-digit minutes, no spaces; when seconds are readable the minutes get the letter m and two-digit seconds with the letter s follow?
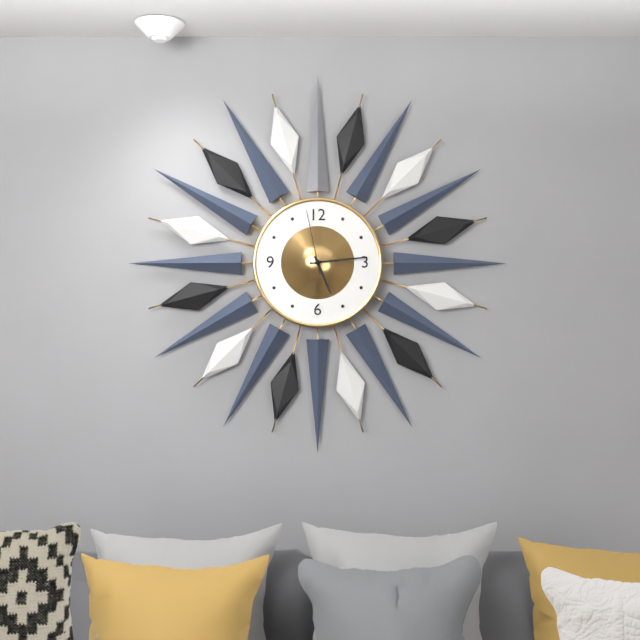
5h14m58s
